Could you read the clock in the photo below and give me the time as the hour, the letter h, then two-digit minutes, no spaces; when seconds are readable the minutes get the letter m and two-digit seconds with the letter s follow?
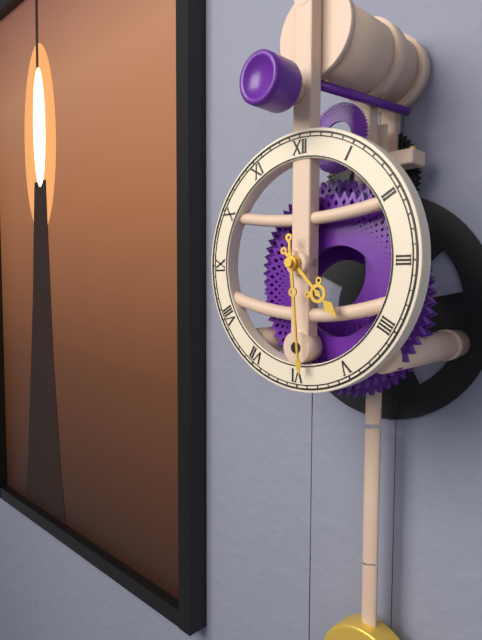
4h29
